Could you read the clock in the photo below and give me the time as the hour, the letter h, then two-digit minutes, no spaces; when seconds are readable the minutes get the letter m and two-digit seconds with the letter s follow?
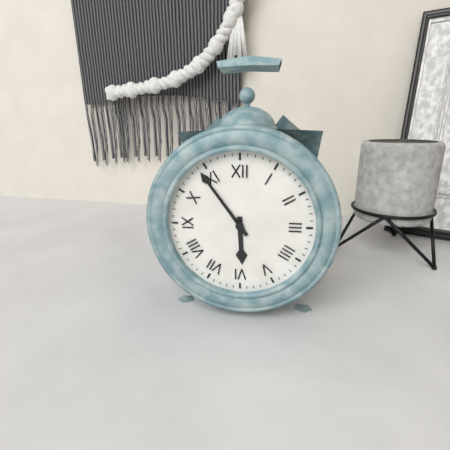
5h54
